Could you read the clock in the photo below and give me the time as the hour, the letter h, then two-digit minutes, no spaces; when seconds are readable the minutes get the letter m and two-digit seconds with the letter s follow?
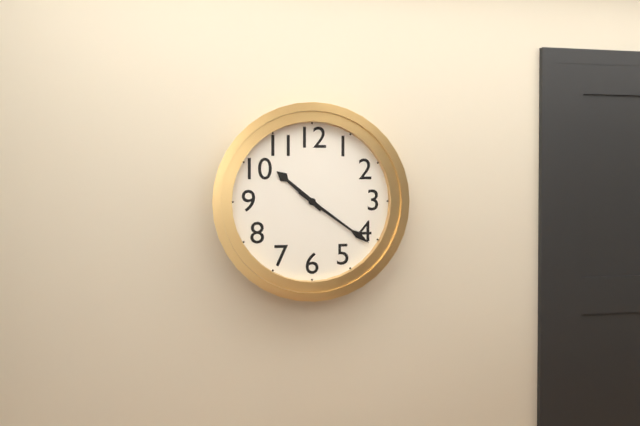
10h21
